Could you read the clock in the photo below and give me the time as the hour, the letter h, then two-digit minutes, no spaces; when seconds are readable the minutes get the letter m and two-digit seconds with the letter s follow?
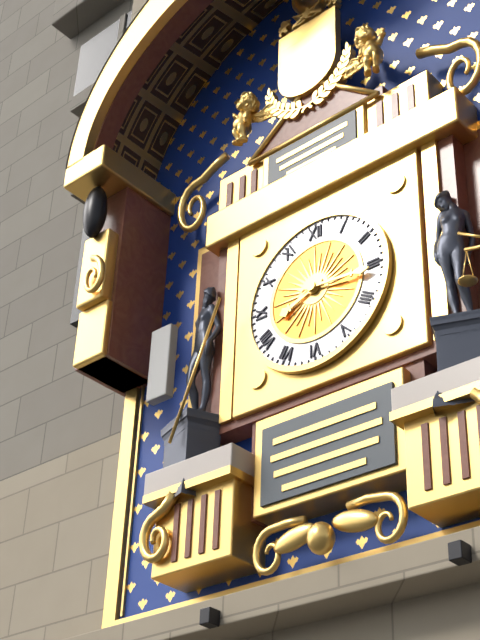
8h16
